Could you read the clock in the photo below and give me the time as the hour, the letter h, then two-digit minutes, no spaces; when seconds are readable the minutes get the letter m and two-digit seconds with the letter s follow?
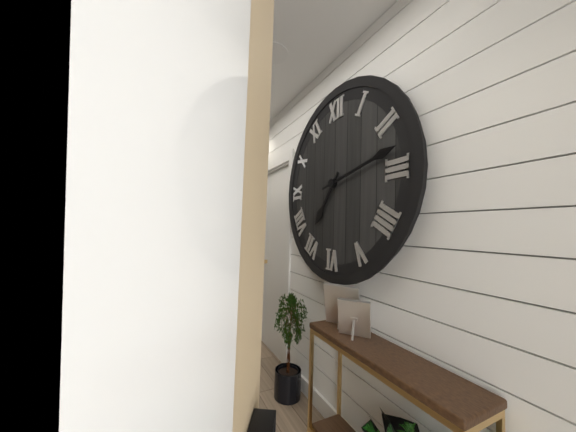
7h13
